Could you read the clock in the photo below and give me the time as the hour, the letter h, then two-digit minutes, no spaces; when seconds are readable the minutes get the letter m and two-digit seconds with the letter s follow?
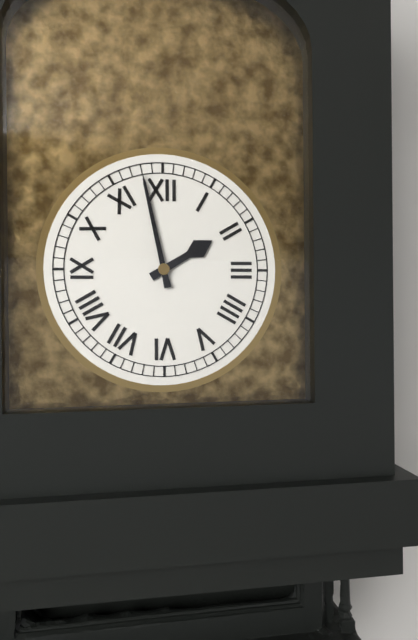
1h58
